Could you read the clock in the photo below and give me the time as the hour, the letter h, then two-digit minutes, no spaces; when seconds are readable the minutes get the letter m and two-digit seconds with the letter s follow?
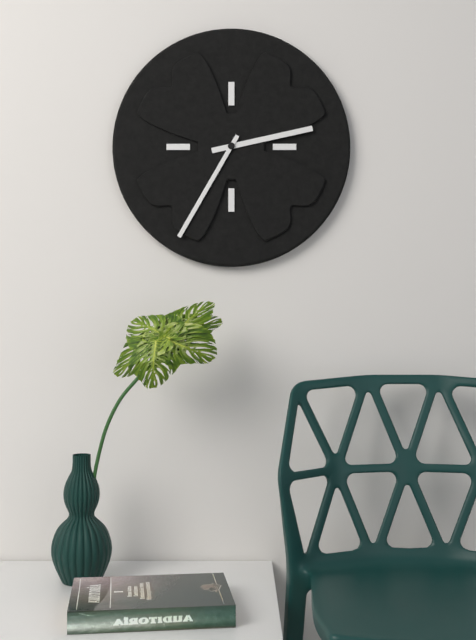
2h35
